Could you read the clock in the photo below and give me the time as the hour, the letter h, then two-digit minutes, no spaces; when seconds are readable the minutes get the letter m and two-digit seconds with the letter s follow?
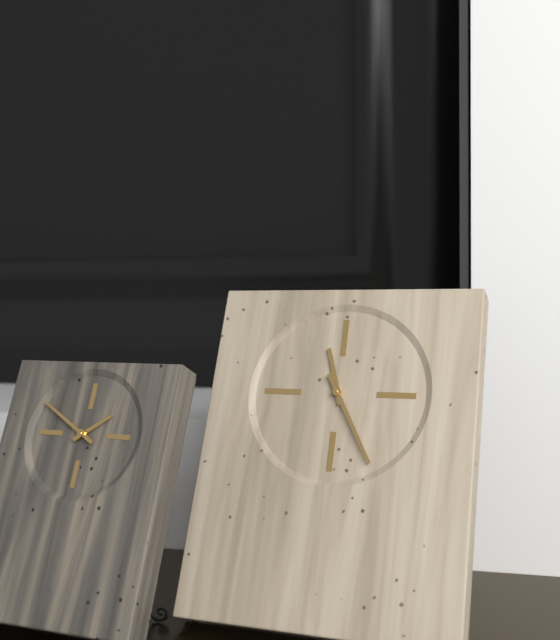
11h25
